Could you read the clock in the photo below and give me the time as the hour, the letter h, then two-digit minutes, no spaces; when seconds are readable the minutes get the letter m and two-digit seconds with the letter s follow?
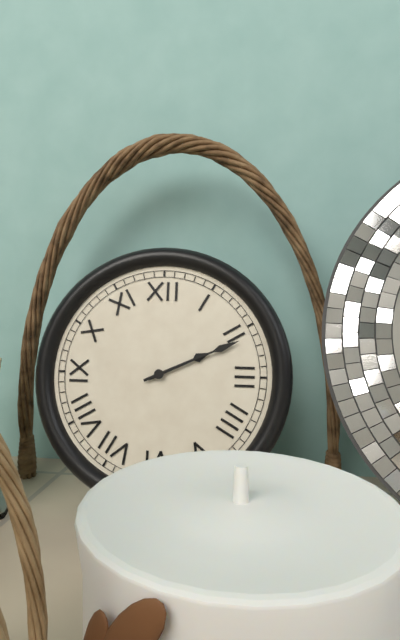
2h11
